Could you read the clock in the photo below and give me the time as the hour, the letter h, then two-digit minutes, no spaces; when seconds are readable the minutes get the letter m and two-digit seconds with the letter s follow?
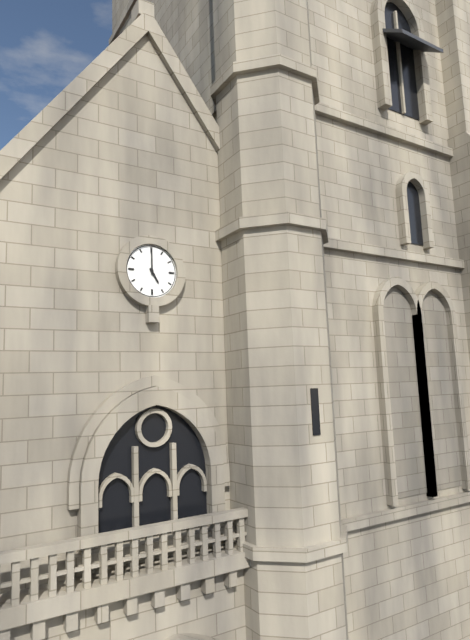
5h00
